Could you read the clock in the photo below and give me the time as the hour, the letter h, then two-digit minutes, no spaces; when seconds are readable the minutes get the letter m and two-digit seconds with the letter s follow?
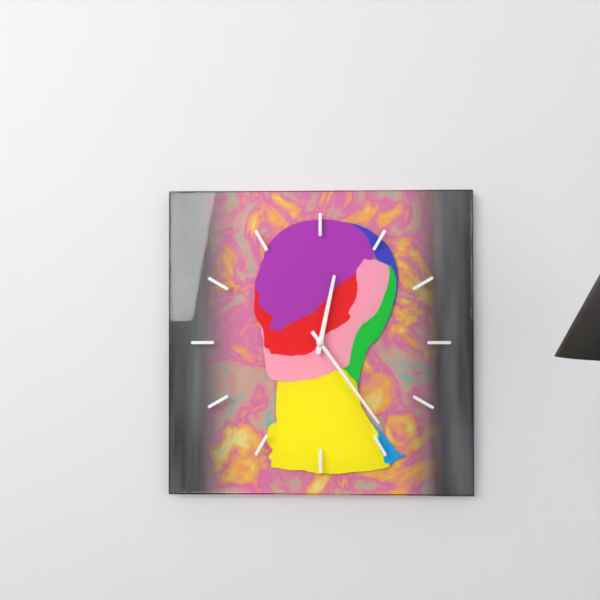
12h24
